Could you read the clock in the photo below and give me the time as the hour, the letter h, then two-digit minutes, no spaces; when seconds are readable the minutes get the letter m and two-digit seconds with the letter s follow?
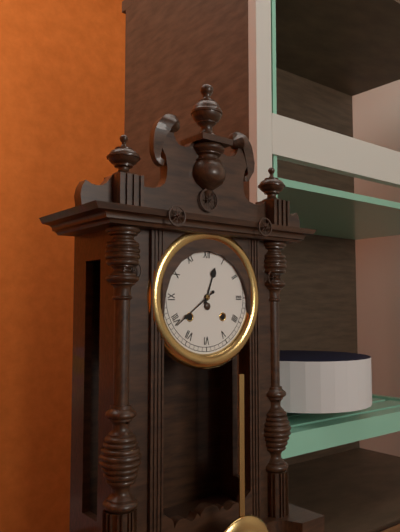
12h39
